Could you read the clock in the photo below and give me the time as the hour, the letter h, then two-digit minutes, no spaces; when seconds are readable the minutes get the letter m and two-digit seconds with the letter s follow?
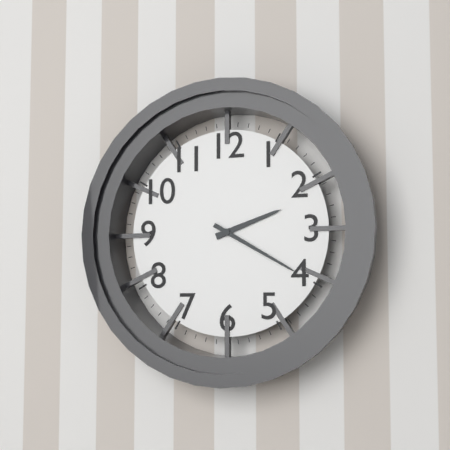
2h20
